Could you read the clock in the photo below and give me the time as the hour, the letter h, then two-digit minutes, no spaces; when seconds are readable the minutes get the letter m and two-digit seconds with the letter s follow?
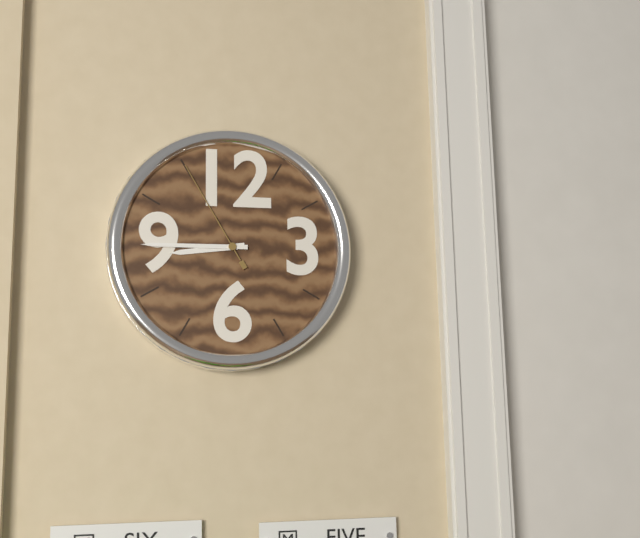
8h45m55s
